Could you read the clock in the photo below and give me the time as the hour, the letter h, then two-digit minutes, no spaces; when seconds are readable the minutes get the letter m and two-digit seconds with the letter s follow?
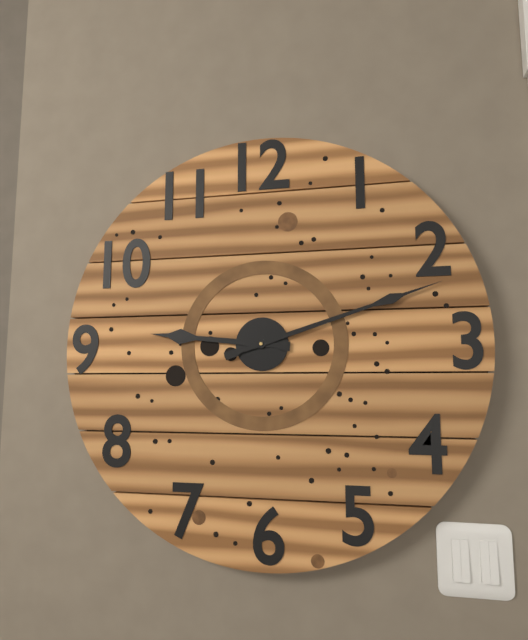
9h12
